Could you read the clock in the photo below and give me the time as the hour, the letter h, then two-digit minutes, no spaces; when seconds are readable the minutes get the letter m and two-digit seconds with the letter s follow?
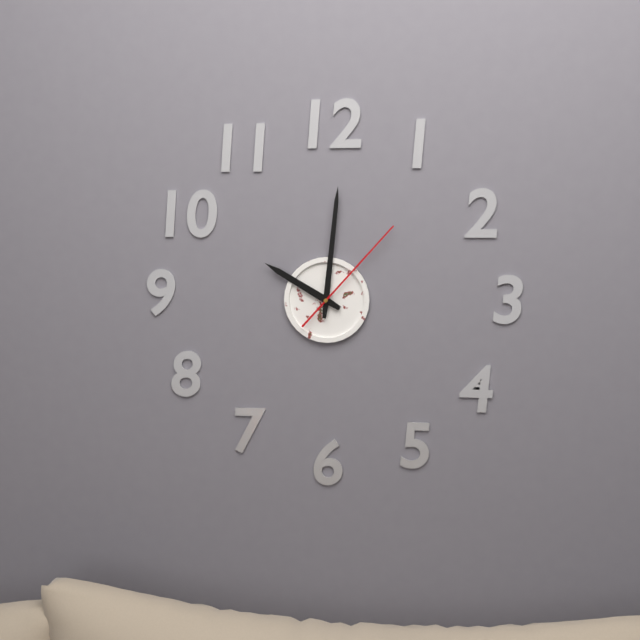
10h01m07s
